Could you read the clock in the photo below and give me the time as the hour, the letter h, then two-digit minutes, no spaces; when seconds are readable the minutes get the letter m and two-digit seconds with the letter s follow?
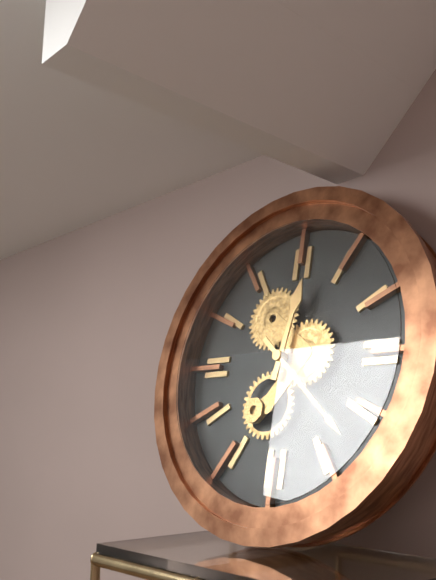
12h22
